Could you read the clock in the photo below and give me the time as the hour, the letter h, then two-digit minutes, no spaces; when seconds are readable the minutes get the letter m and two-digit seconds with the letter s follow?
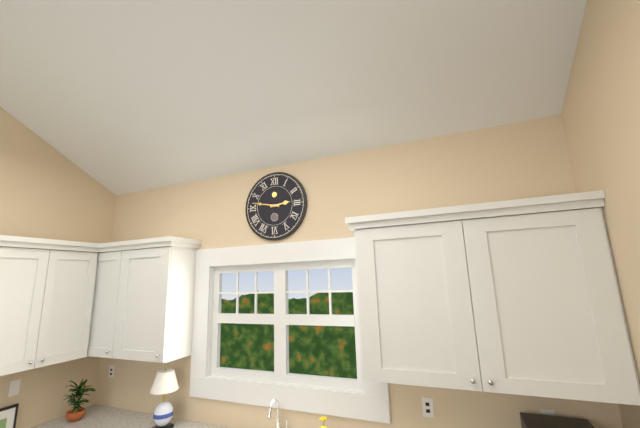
2h47
